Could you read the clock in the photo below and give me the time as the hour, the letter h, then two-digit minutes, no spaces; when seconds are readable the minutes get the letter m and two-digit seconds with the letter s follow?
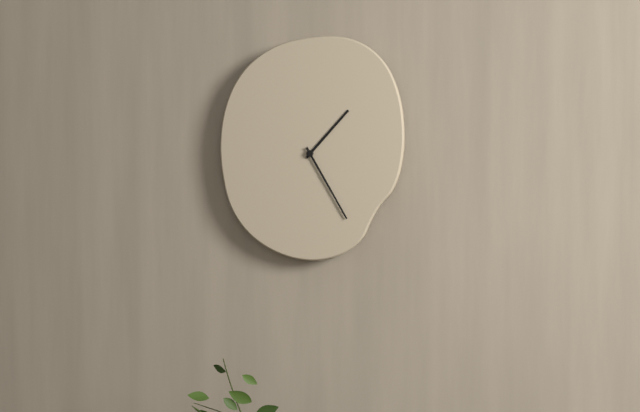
1h25
